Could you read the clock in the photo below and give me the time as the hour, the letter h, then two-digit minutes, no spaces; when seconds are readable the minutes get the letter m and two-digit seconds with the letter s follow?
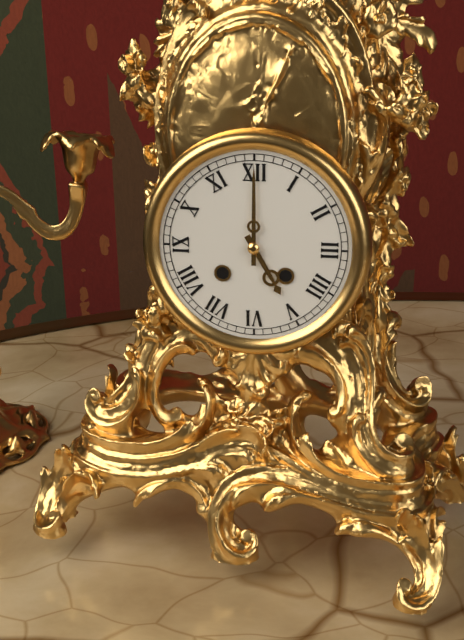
5h00
